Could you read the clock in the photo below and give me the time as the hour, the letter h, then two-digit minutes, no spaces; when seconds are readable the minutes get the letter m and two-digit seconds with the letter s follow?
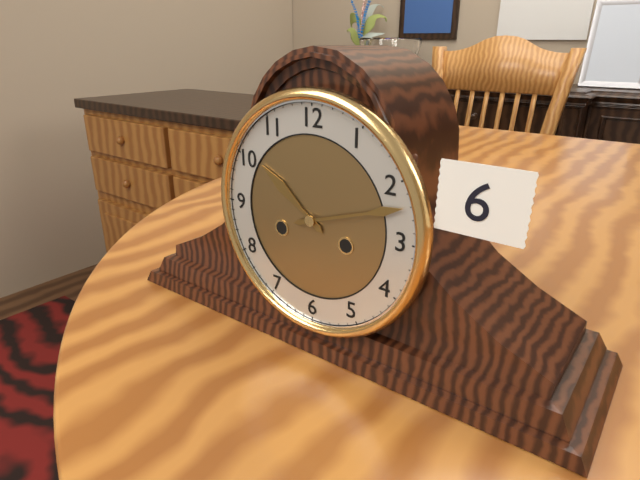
10h12
